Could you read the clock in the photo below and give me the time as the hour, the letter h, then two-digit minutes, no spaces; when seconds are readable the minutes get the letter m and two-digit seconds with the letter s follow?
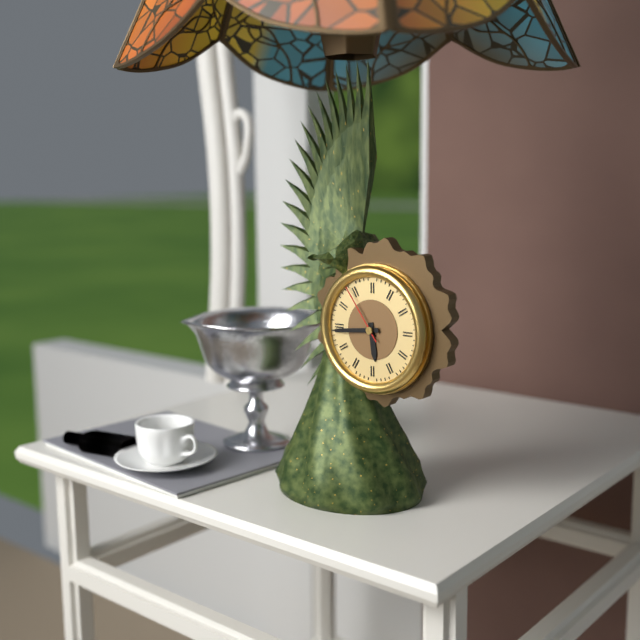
5h44m54s
